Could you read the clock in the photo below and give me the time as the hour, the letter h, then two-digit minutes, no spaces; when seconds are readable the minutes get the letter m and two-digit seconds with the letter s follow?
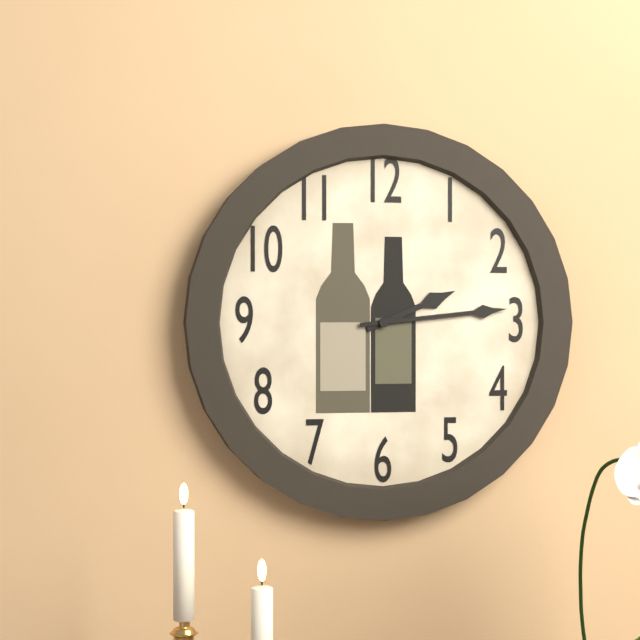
2h14
